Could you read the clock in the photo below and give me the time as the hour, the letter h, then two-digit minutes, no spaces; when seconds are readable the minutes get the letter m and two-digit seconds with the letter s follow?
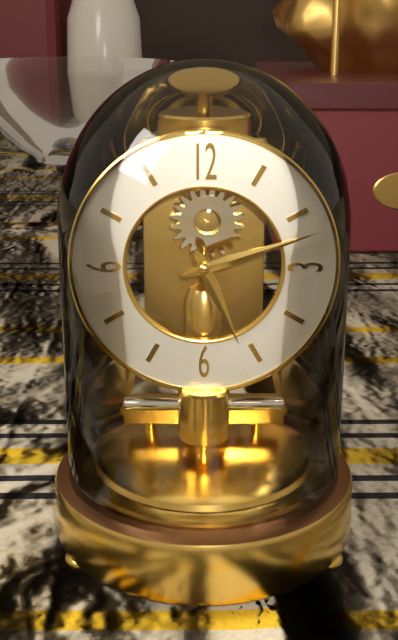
5h12
